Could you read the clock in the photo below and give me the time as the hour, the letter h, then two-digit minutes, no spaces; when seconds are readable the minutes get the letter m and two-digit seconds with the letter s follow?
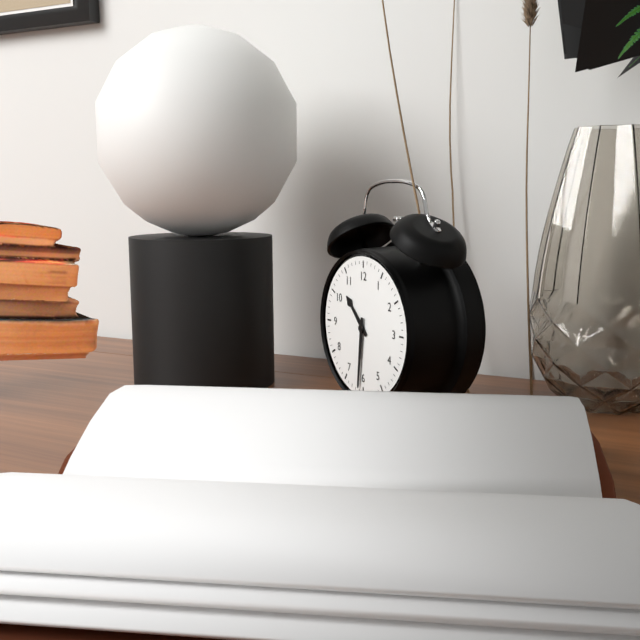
10h31
